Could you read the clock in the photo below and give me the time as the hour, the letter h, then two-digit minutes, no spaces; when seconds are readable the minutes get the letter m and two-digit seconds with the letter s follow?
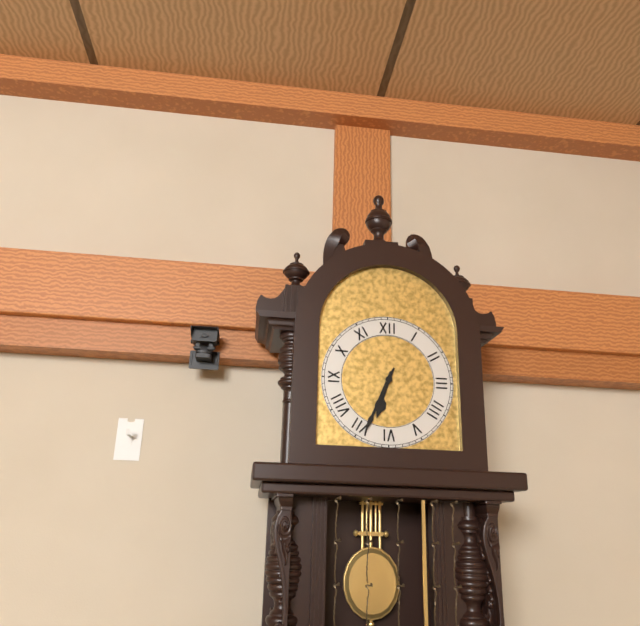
6h34
